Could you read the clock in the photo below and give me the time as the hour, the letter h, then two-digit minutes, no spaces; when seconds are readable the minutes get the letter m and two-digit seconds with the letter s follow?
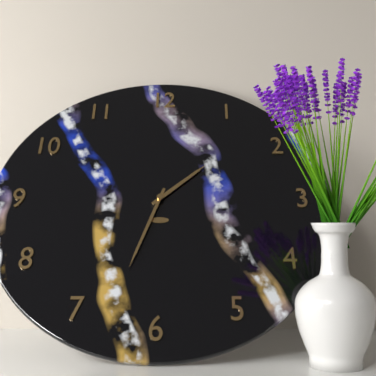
1h33
